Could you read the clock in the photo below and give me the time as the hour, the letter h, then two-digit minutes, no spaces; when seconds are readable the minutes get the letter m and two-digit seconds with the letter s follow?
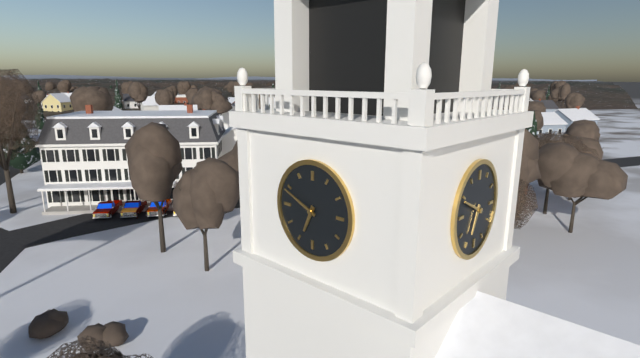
6h49
